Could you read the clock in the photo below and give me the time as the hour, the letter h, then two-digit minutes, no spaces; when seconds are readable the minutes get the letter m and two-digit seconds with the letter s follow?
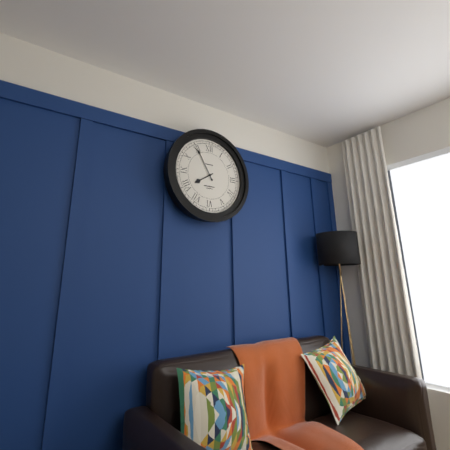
7h55
